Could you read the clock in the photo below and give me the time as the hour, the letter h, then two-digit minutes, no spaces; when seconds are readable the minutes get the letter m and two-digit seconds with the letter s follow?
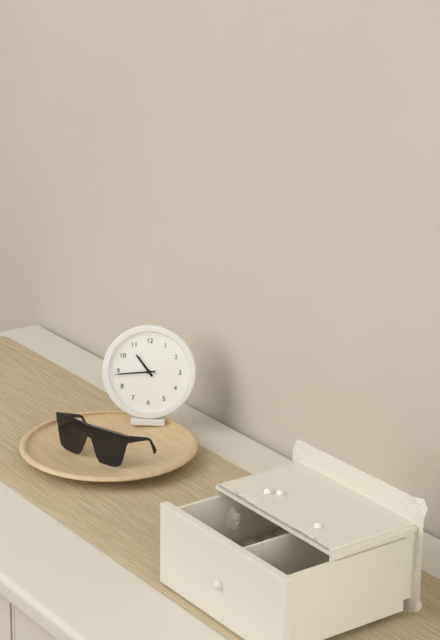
10h44
